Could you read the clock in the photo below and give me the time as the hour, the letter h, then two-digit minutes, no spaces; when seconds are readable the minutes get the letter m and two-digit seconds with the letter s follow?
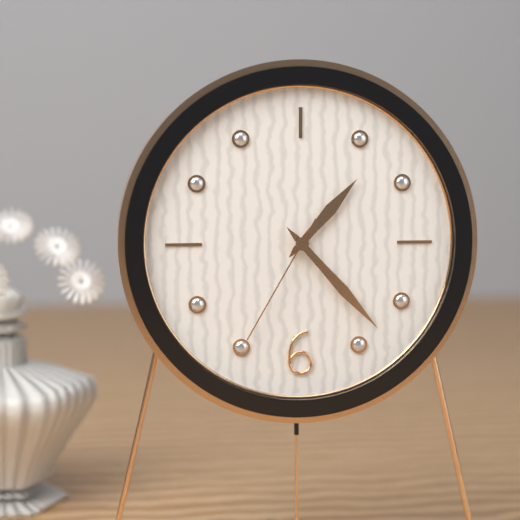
1h23m35s
